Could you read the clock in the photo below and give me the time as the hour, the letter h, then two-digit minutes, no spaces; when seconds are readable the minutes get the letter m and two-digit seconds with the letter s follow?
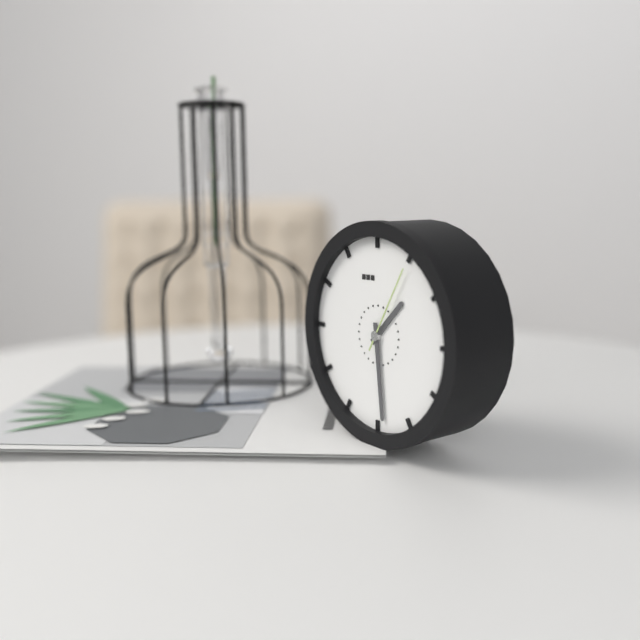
1h29m05s
